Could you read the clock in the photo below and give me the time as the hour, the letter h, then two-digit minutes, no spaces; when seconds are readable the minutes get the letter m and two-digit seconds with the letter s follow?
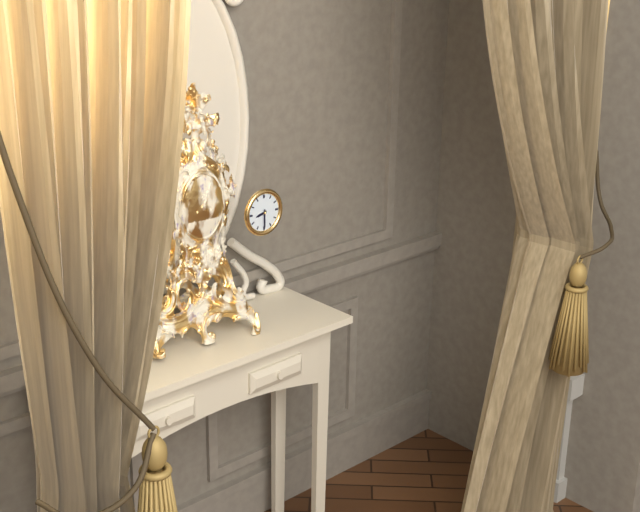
8h30
